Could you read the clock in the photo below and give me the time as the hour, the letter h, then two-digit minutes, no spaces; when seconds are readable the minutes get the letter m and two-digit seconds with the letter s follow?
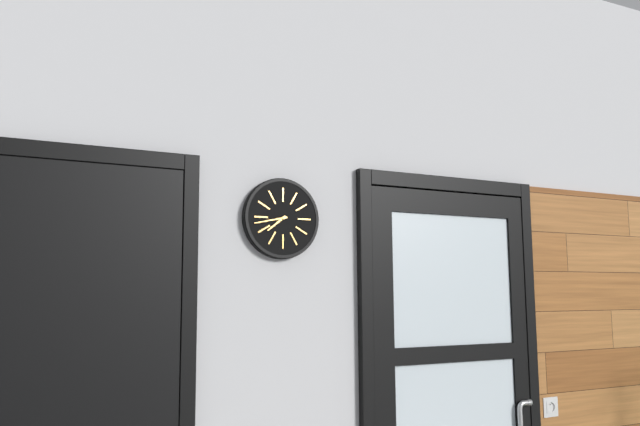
7h43
